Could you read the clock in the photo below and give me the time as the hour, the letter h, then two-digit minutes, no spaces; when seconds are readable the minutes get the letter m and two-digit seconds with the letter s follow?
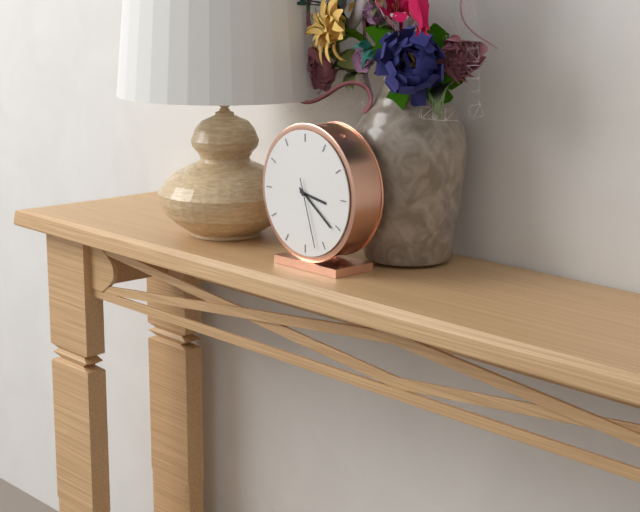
3h21m27s
